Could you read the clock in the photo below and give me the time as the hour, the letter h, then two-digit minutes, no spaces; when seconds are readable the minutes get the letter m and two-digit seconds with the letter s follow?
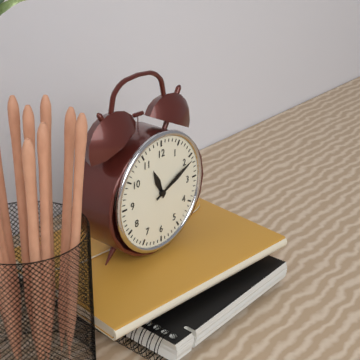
11h11
